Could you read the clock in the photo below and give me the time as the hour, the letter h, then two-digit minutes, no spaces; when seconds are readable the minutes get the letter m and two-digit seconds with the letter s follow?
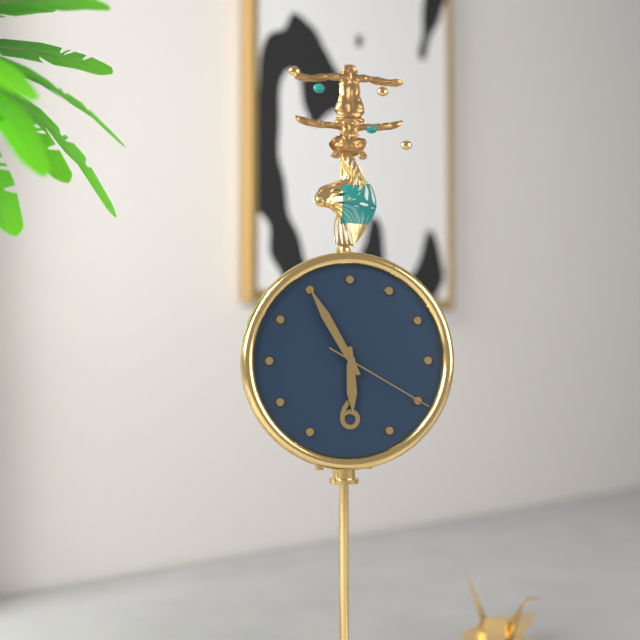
5h55m20s
